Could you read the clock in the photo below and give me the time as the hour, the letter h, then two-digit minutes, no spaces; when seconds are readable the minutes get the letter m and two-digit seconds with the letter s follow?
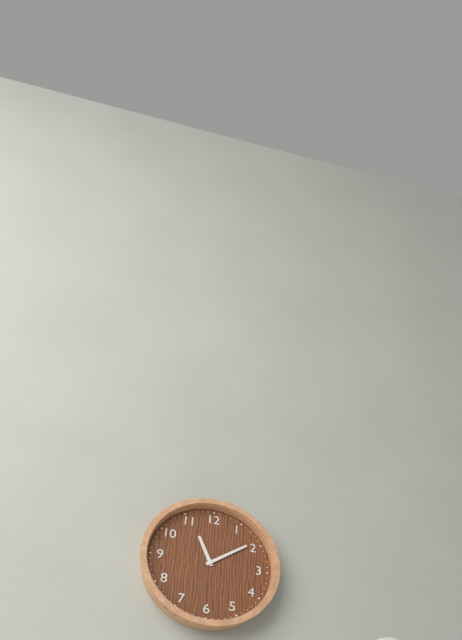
11h09
